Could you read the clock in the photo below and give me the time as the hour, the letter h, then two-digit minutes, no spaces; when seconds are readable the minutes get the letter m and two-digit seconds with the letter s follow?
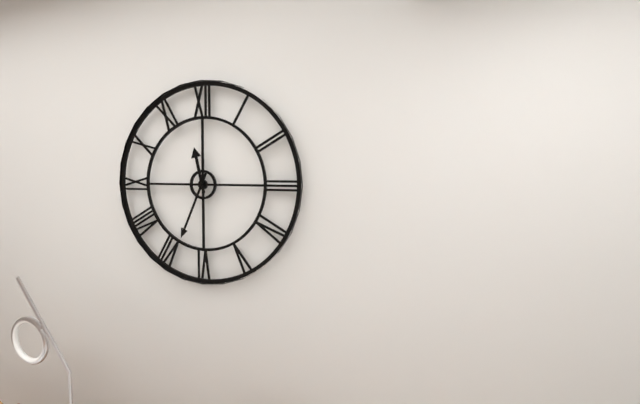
11h34
